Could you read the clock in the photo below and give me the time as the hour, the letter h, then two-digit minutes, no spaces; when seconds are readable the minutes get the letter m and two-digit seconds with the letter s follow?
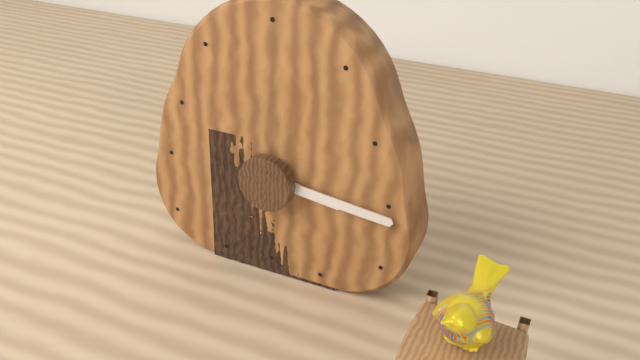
3h16
